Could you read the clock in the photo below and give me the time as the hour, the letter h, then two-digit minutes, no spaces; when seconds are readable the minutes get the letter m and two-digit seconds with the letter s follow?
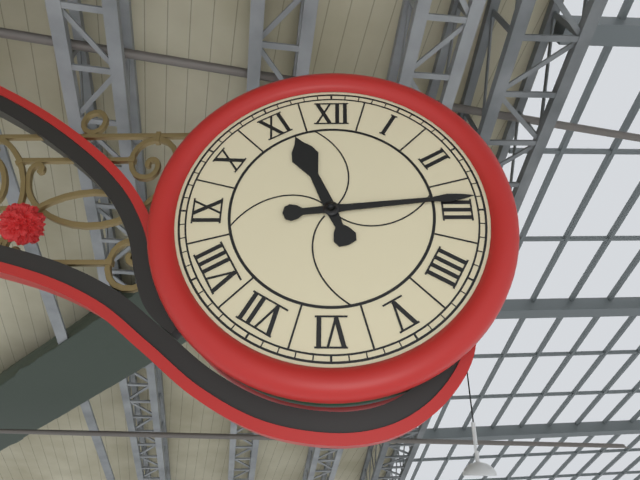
11h14
